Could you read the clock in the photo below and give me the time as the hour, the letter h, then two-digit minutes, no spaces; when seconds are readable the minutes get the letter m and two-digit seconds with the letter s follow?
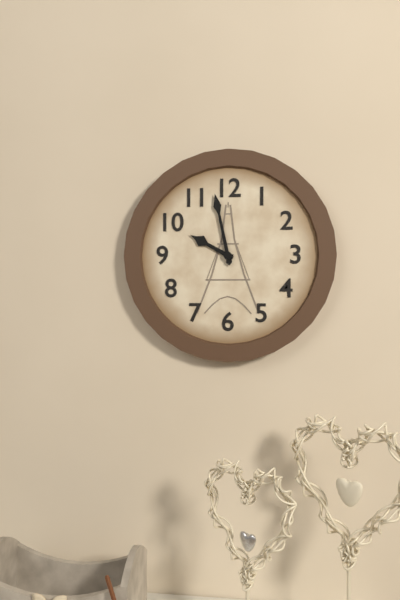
9h58
